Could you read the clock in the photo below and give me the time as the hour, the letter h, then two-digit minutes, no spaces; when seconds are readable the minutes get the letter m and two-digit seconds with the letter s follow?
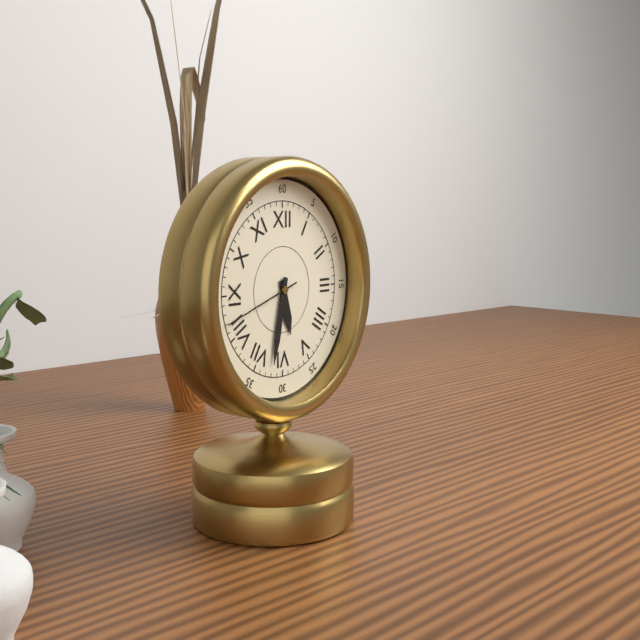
5h32m42s
